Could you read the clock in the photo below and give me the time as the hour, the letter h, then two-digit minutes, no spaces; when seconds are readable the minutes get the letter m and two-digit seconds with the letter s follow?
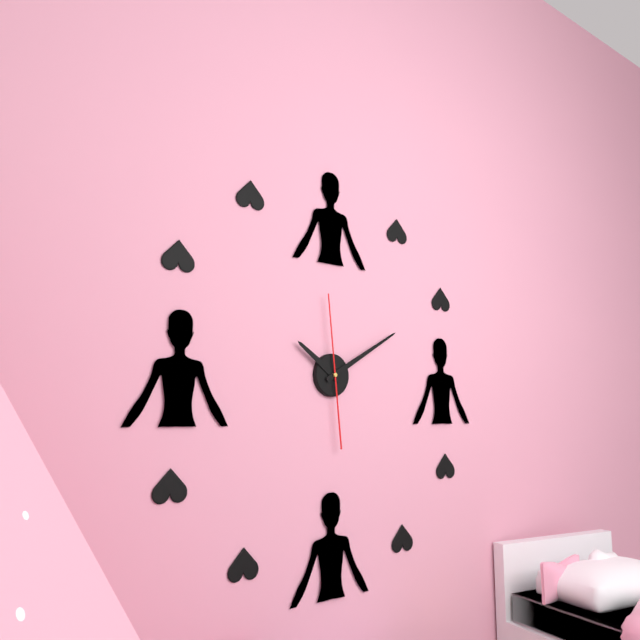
10h10m59s
